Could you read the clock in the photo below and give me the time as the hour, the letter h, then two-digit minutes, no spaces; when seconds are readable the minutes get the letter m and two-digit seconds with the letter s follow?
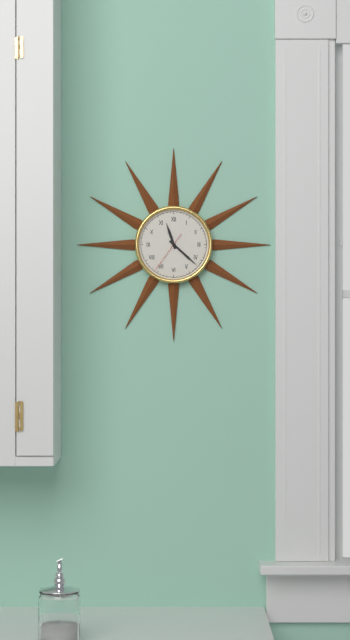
11h22
